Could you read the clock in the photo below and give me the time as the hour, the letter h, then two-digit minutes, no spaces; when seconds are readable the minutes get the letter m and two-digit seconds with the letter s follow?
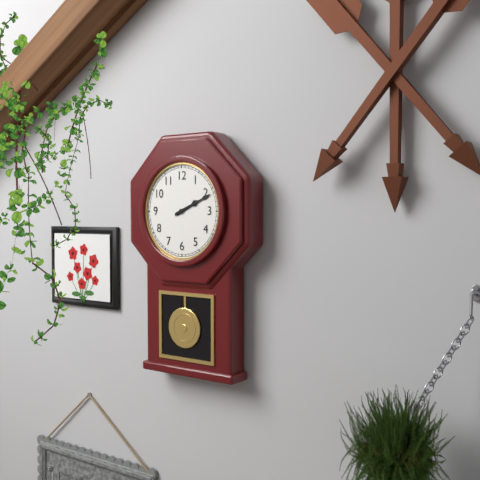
2h11
